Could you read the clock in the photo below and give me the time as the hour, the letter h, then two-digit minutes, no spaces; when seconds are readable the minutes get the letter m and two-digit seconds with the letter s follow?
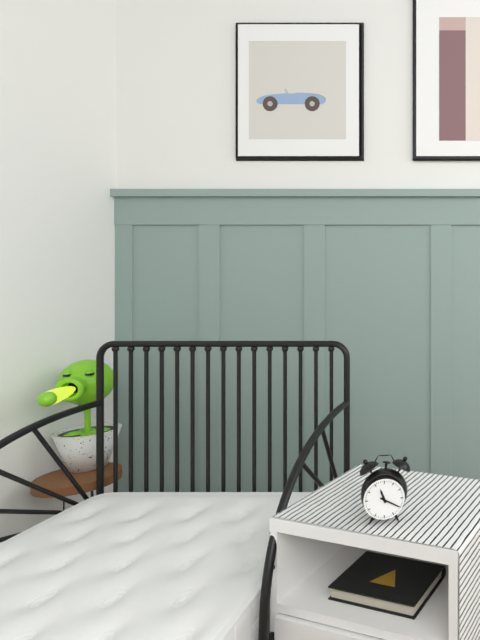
11h20
